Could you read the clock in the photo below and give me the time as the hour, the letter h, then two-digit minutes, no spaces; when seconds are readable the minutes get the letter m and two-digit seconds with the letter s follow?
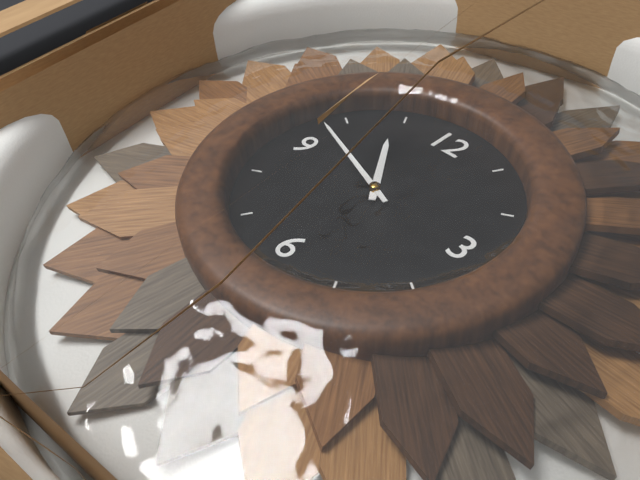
10h48
